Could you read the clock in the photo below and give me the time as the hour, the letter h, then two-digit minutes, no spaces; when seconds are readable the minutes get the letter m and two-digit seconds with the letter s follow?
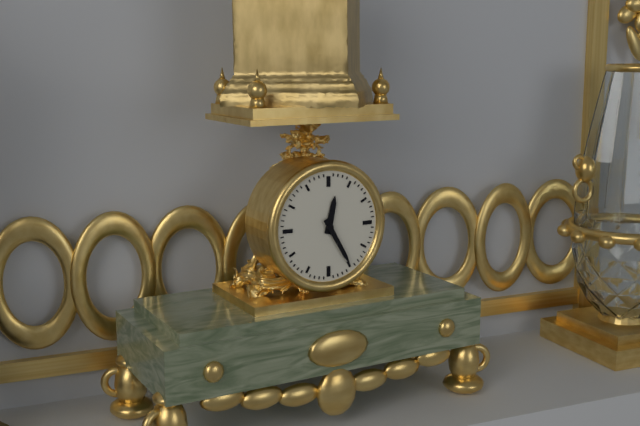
12h25
